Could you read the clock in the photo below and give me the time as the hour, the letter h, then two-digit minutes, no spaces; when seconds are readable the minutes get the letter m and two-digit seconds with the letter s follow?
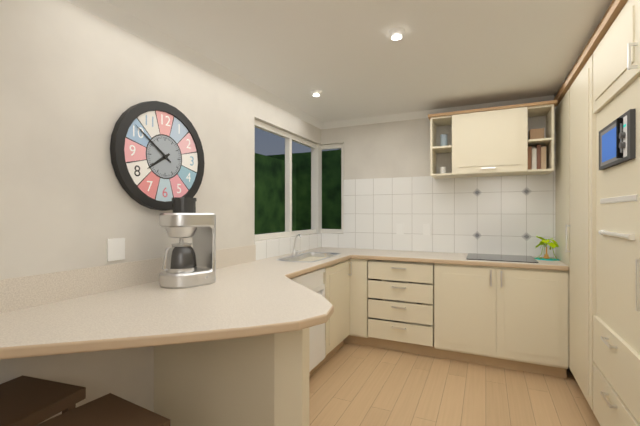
7h51
